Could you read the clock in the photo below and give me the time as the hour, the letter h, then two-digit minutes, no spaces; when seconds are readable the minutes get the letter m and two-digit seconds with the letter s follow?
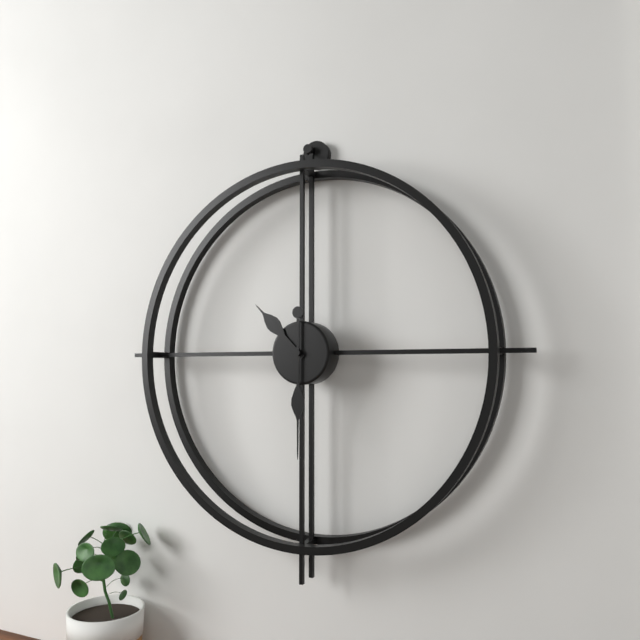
10h30
